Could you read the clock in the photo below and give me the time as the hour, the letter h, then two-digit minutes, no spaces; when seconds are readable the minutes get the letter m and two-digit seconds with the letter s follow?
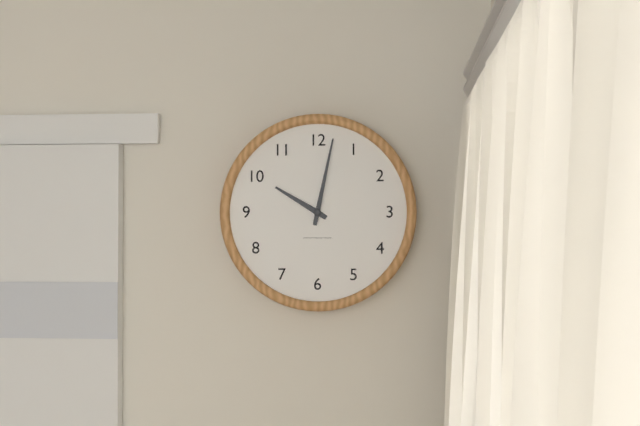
10h02
